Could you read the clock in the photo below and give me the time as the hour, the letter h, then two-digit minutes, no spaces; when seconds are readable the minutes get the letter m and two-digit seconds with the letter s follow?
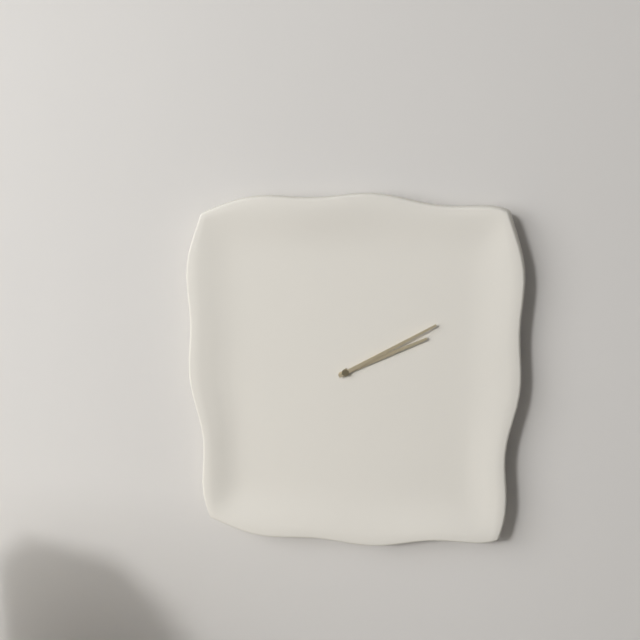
2h10
